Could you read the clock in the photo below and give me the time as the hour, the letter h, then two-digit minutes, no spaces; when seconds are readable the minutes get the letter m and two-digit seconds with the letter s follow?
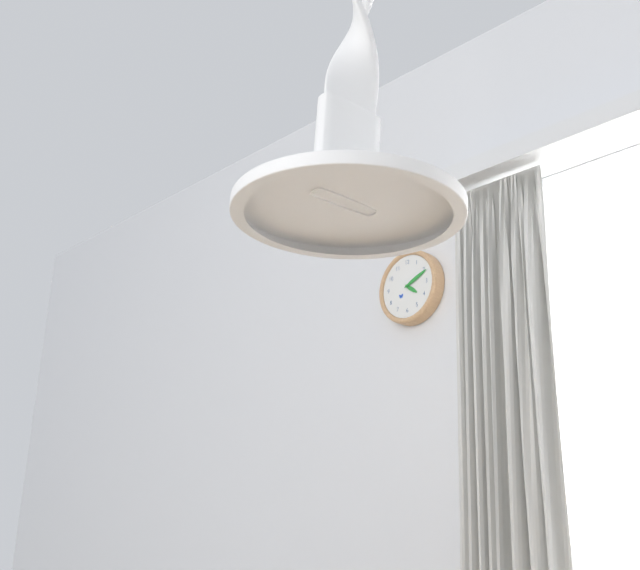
4h11
